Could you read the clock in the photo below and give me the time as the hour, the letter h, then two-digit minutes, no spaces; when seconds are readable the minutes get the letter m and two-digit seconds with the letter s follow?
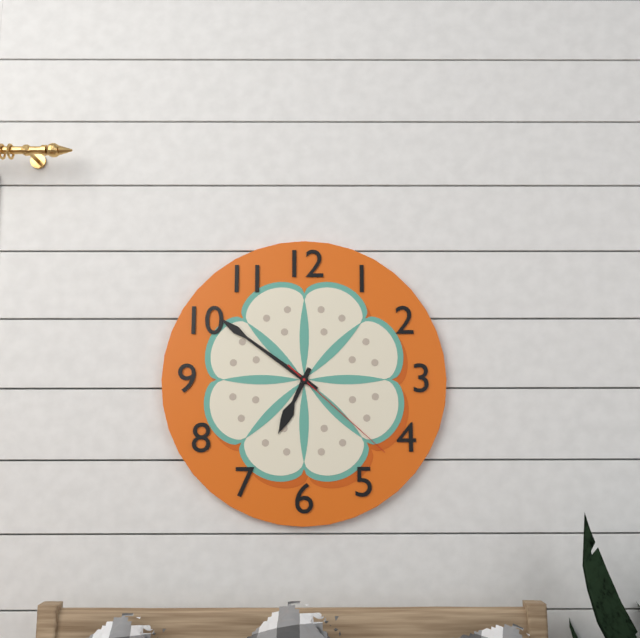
6h51m22s
